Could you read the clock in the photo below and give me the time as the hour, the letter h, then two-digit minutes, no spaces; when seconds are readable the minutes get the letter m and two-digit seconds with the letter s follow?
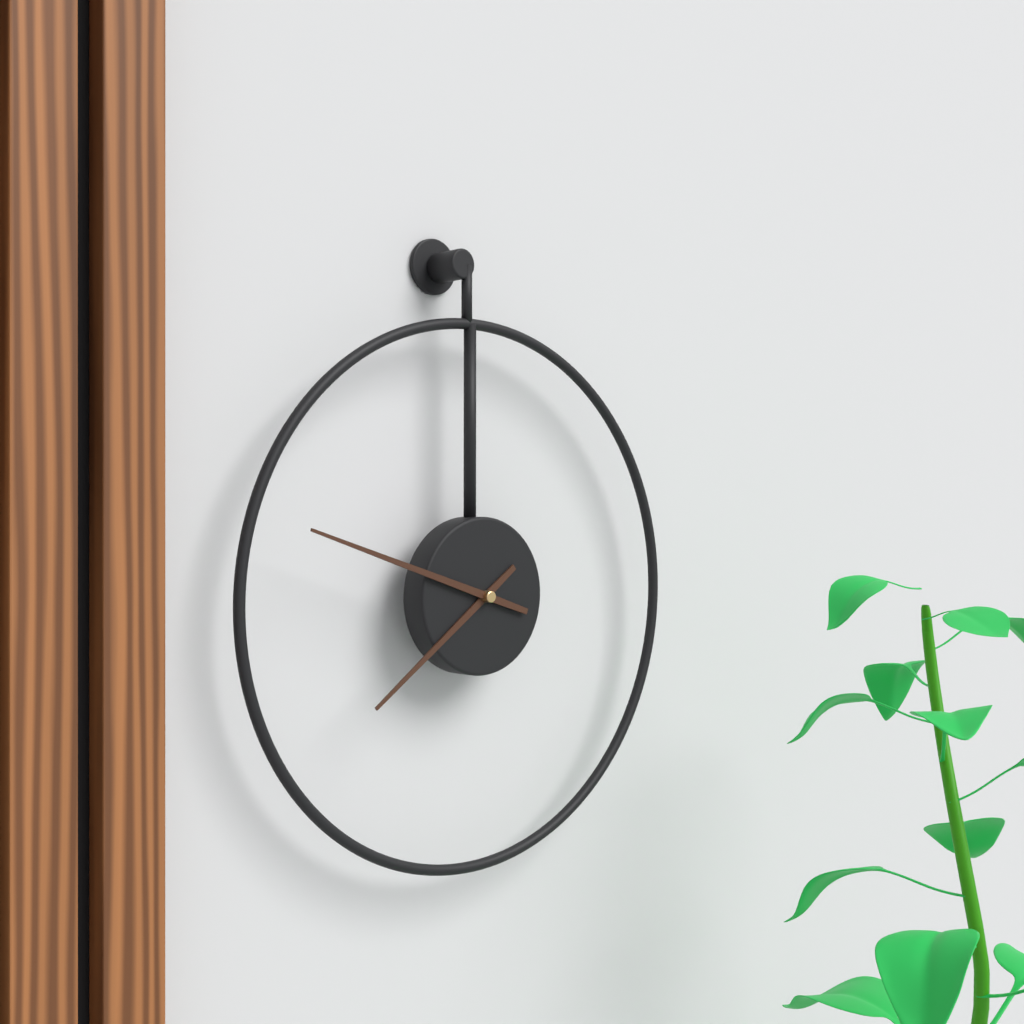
7h48
